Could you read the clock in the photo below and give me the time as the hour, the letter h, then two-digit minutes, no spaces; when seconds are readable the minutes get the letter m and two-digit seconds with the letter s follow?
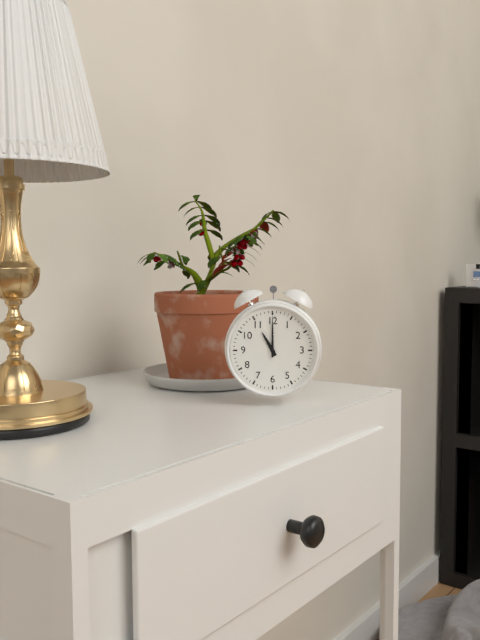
11h00
